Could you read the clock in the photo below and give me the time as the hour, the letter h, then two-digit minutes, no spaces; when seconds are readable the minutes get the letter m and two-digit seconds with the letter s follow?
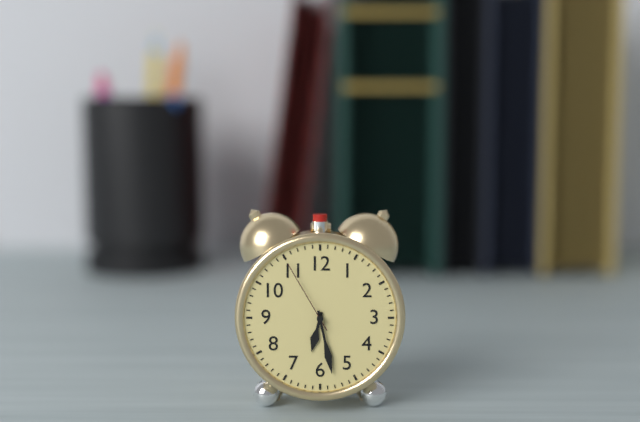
6h28m55s
